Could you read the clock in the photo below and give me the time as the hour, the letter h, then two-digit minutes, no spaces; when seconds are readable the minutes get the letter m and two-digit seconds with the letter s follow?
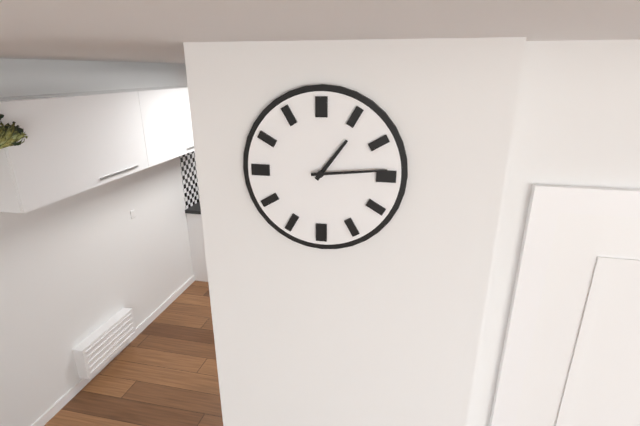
1h14
